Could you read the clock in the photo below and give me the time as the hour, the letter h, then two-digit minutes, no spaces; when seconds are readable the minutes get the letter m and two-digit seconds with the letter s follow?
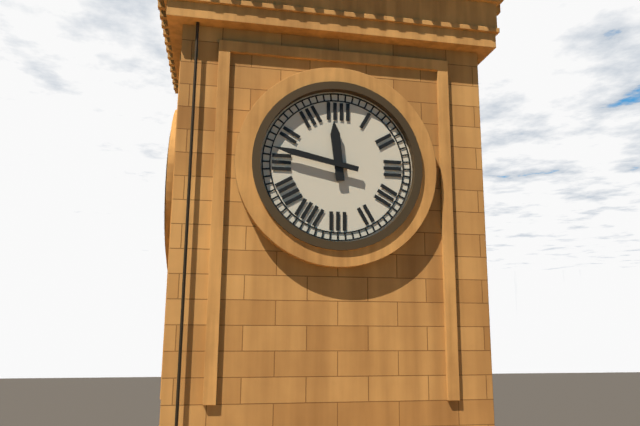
11h47
